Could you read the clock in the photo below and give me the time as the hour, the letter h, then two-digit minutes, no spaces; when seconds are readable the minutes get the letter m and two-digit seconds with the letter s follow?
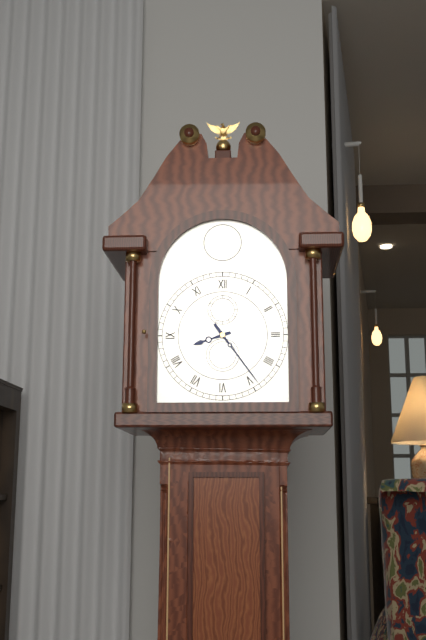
8h24
